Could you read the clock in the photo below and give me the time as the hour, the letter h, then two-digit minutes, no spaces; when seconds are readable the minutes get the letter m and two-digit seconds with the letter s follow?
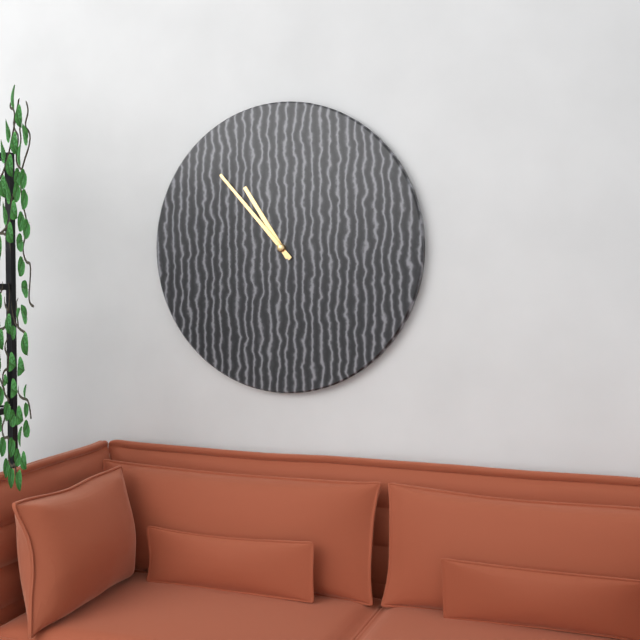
10h53
